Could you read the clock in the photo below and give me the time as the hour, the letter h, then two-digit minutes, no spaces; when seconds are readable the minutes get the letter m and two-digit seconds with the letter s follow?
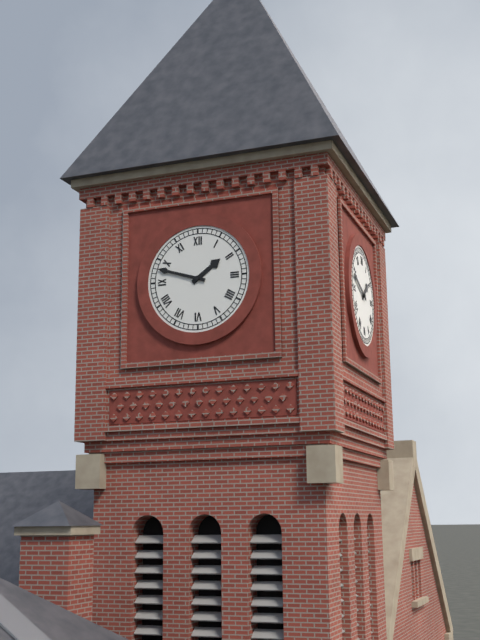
1h48
